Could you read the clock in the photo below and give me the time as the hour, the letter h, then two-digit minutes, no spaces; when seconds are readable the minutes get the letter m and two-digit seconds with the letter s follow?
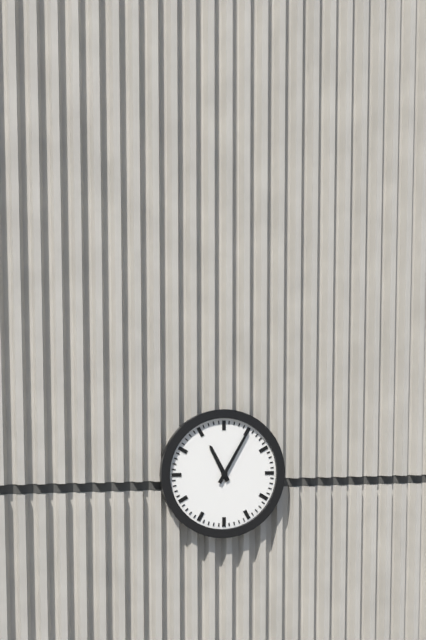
11h05
